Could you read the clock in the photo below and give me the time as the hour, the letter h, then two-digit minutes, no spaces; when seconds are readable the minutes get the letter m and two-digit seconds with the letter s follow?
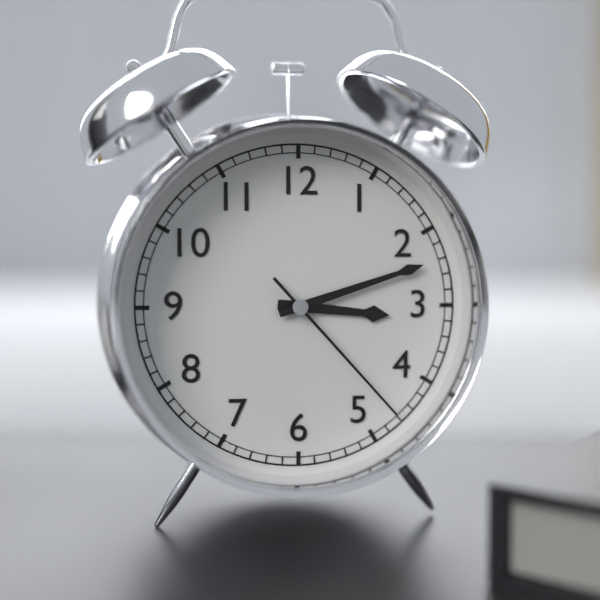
3h12m23s
